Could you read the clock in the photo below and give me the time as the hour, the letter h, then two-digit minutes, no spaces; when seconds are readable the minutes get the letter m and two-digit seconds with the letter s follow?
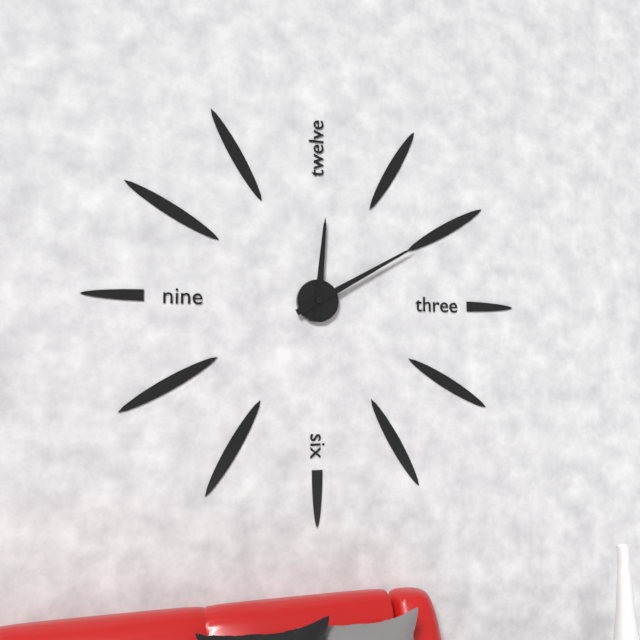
12h10
